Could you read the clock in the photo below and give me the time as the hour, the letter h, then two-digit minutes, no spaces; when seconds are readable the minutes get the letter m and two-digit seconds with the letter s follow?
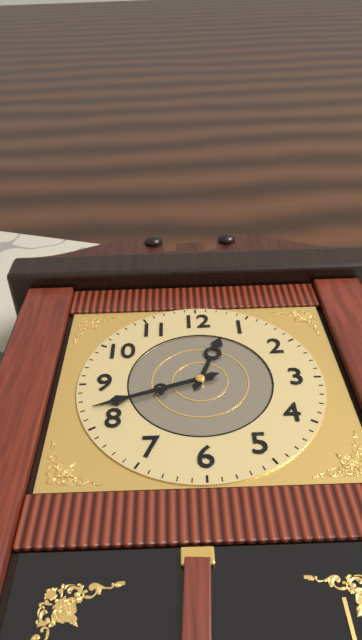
12h42
